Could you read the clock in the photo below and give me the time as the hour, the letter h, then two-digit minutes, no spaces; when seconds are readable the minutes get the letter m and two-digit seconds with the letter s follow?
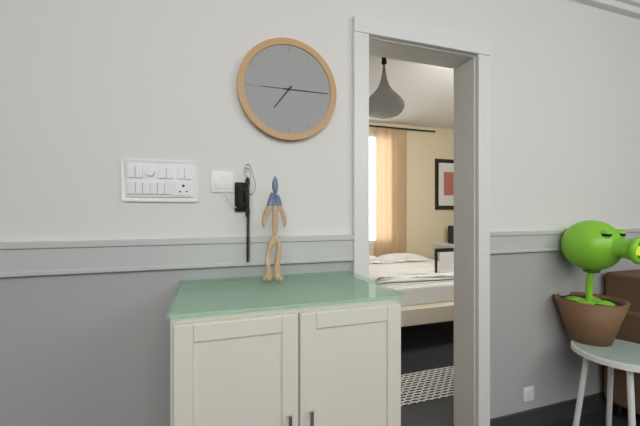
7h15
